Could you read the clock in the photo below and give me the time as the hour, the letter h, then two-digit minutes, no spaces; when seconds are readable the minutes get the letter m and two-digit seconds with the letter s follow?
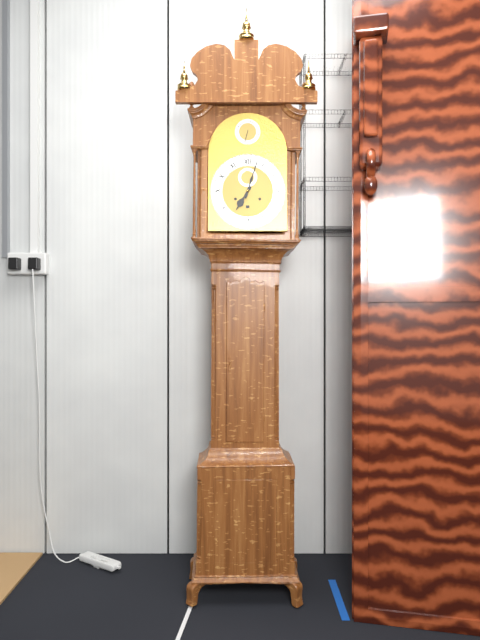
7h03
